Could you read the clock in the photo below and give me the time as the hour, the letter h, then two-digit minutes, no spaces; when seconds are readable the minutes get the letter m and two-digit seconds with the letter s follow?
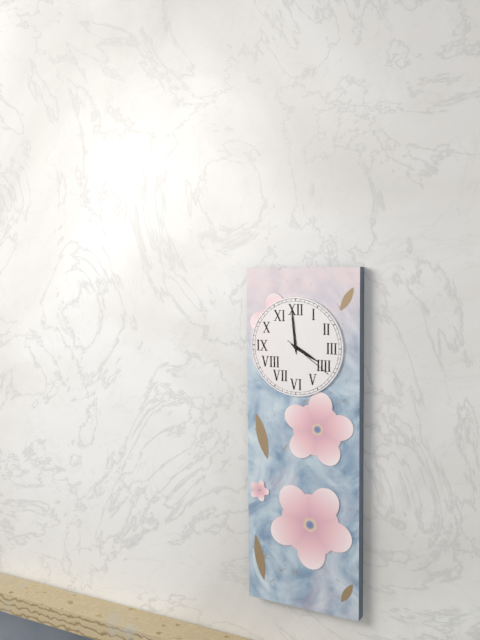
3h59m21s
